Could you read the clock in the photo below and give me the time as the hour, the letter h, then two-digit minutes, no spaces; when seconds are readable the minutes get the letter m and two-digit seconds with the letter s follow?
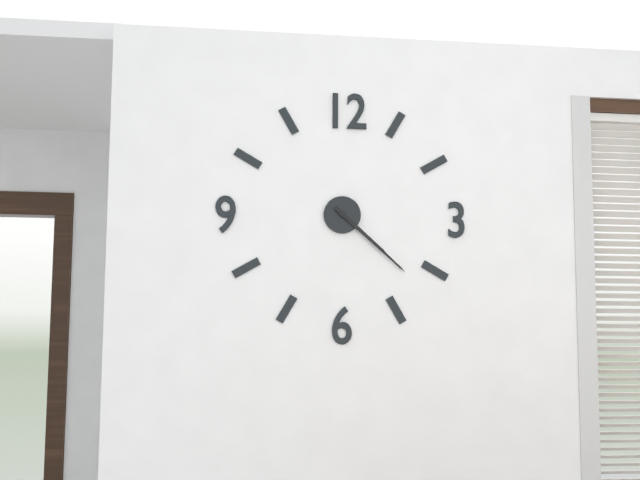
4h22
